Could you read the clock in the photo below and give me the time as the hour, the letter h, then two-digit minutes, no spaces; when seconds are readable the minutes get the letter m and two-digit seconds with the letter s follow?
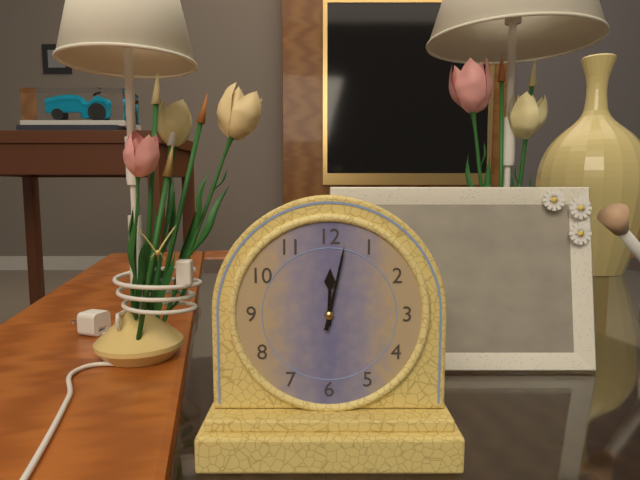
12h02
